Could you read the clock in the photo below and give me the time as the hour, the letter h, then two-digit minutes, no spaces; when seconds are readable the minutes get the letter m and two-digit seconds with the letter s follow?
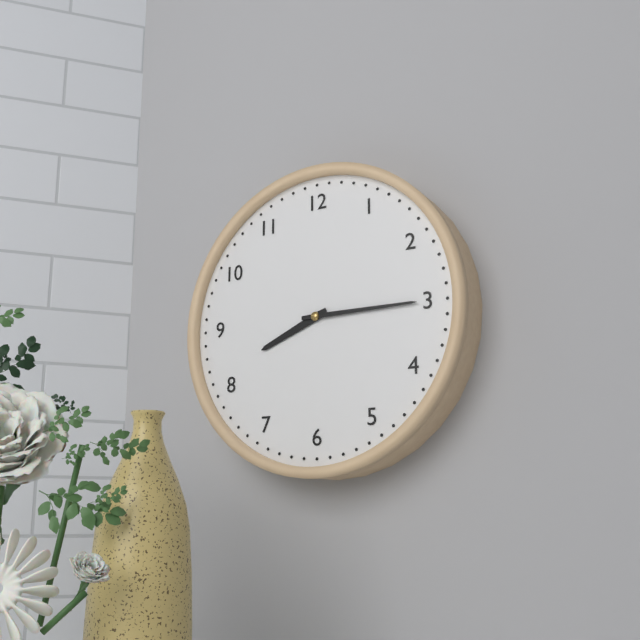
8h15
